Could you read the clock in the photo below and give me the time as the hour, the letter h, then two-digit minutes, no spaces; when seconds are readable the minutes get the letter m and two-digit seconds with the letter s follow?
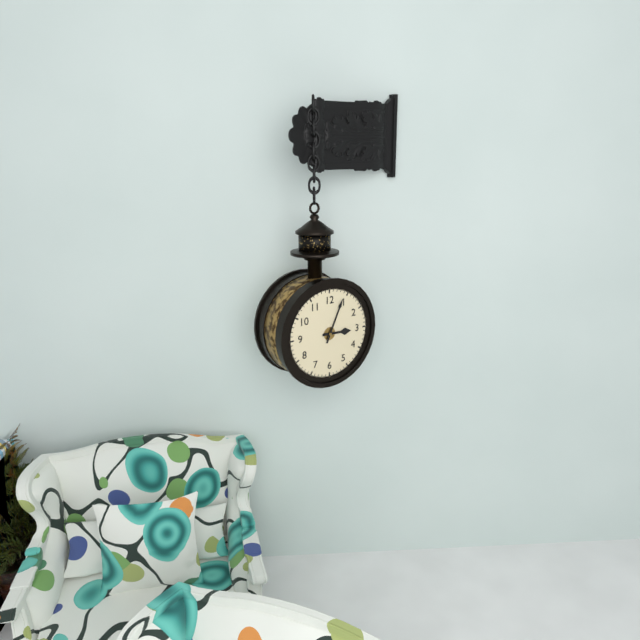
3h04
